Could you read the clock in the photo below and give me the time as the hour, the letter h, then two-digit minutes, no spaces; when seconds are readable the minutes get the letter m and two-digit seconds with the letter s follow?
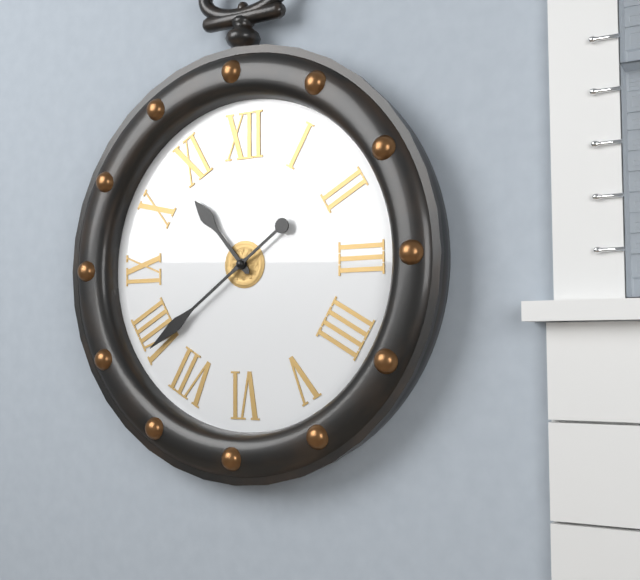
10h39
